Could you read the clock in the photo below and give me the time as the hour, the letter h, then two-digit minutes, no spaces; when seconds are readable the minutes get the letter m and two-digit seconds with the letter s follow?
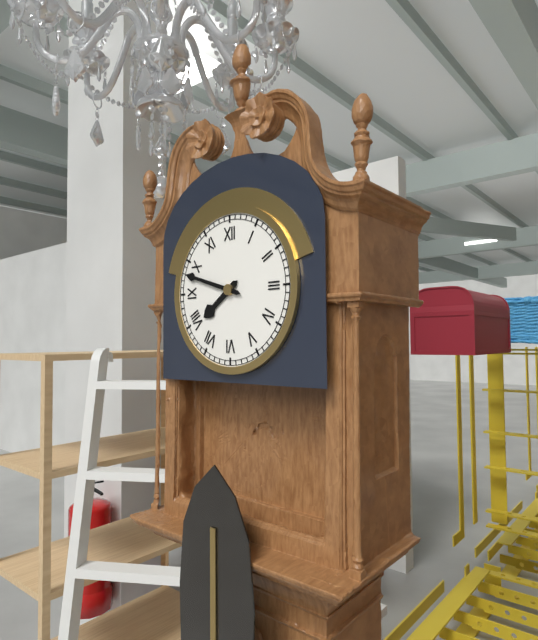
7h48
